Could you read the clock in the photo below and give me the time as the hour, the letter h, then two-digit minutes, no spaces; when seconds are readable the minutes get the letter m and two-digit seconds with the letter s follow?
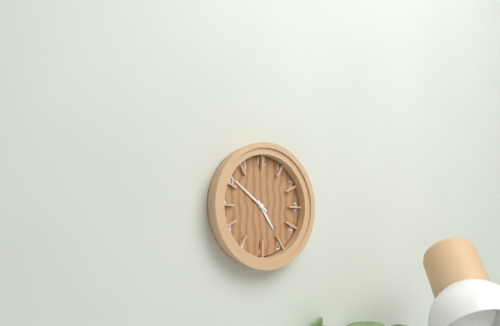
4h51
